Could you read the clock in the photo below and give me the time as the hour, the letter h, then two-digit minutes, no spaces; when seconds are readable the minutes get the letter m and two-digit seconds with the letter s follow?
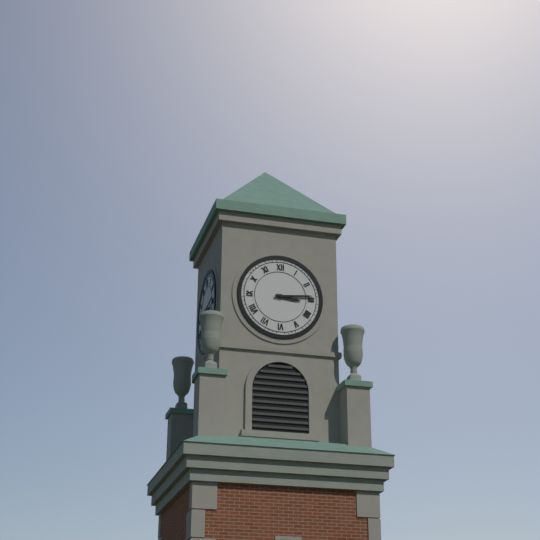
3h14
